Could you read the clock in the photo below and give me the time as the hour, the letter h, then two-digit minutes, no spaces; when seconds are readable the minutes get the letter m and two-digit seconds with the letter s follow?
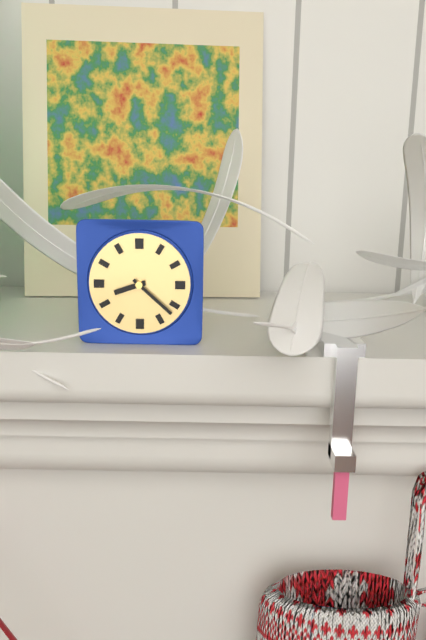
8h22
